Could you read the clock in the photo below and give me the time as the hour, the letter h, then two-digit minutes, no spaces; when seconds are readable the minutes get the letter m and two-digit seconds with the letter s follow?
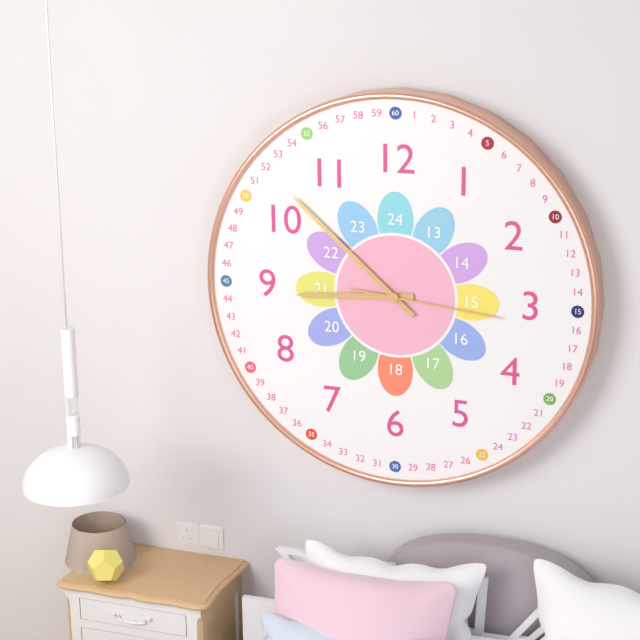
8h52m16s
